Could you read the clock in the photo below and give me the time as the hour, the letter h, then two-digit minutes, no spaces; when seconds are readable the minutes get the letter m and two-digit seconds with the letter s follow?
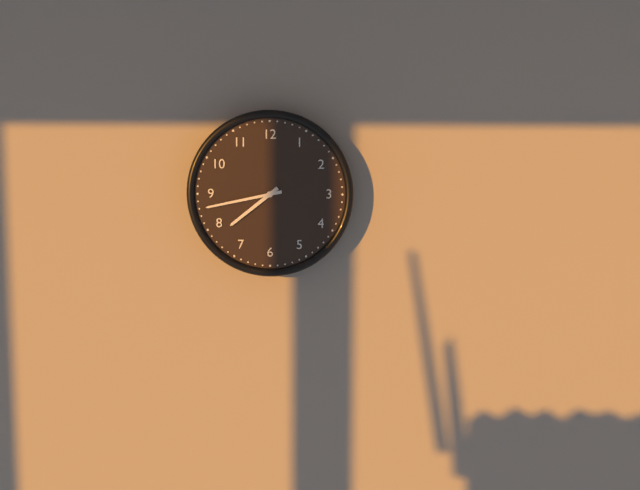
7h43
